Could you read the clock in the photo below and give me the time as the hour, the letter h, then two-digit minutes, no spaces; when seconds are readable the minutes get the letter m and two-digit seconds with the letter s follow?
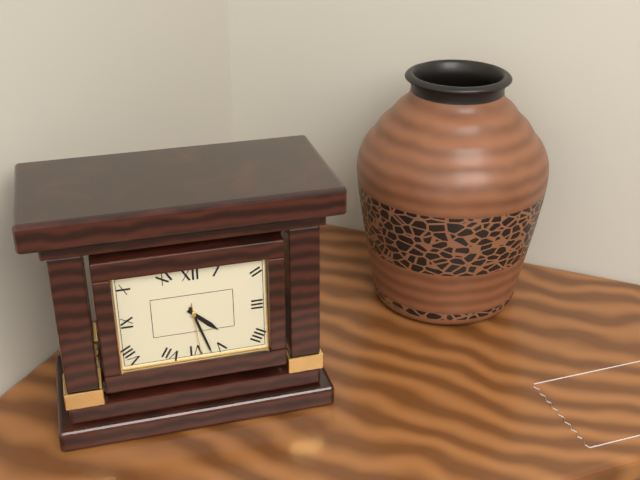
4h27m29s
